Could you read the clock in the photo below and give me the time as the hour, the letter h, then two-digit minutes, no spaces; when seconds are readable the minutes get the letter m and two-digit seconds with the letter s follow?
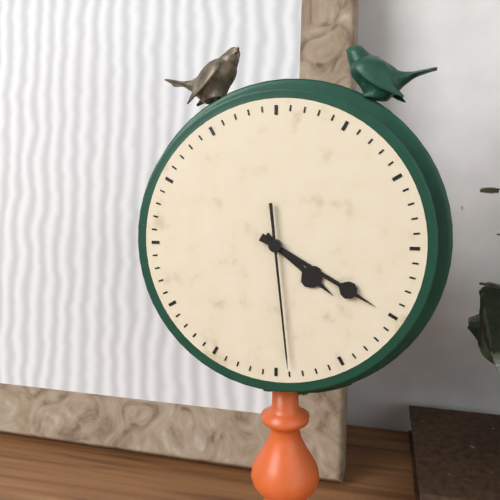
4h20m29s
